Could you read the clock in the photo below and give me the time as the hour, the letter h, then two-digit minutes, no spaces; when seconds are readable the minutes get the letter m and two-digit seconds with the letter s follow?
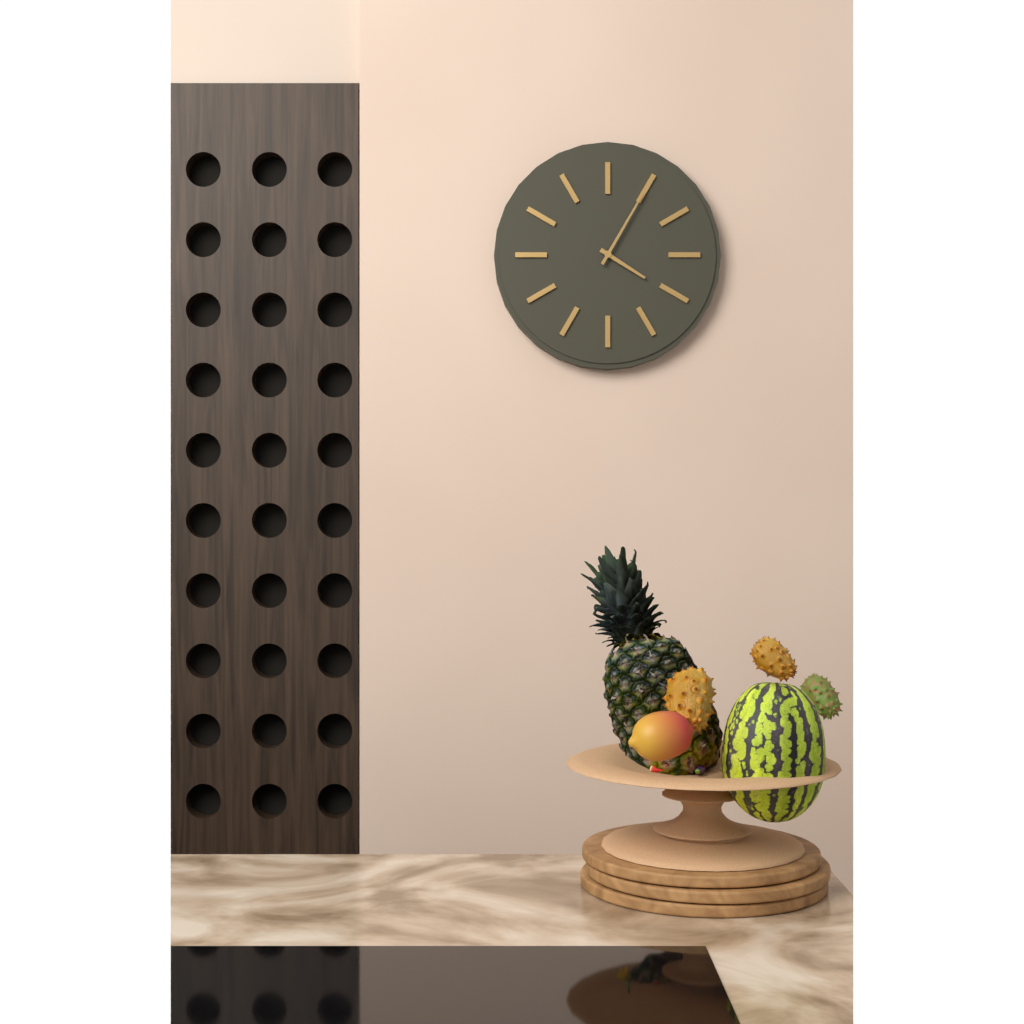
4h05
